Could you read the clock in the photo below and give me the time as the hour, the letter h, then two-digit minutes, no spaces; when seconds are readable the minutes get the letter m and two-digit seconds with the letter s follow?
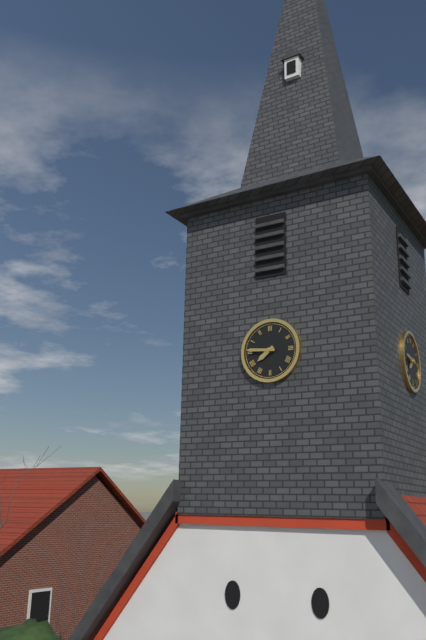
7h46
